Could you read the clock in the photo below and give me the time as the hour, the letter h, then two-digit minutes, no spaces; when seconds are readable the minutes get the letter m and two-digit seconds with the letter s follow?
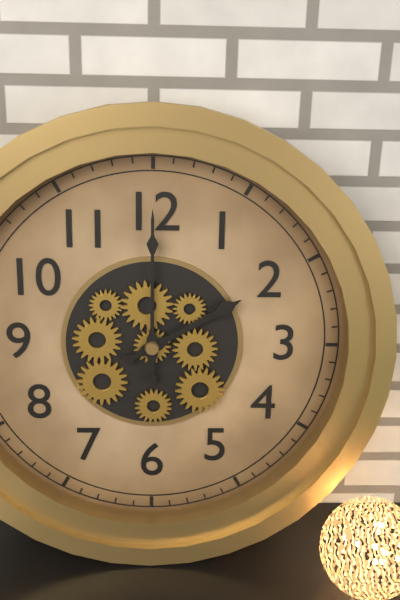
2h00
